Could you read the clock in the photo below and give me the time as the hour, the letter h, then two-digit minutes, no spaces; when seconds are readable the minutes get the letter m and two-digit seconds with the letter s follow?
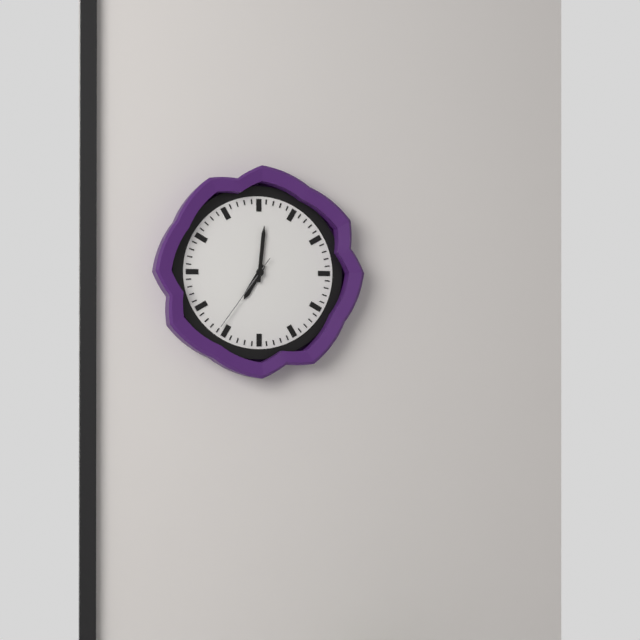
7h01m36s
